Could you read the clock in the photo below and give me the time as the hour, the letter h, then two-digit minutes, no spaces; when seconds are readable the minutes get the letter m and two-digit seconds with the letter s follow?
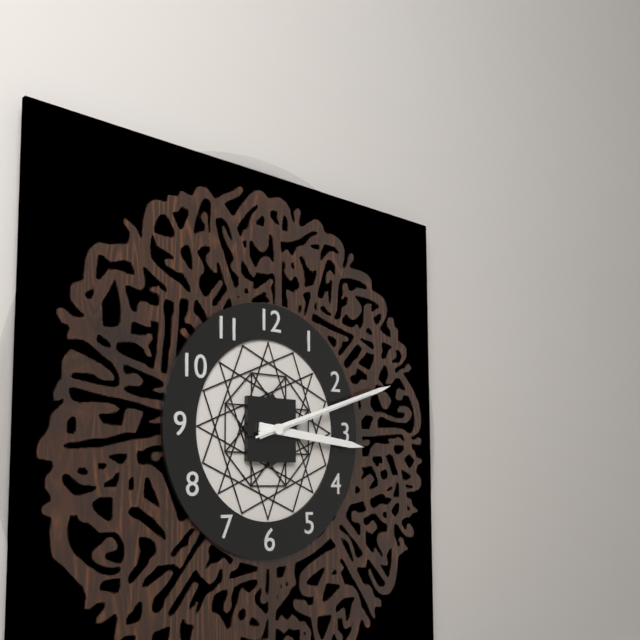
3h12m12s
